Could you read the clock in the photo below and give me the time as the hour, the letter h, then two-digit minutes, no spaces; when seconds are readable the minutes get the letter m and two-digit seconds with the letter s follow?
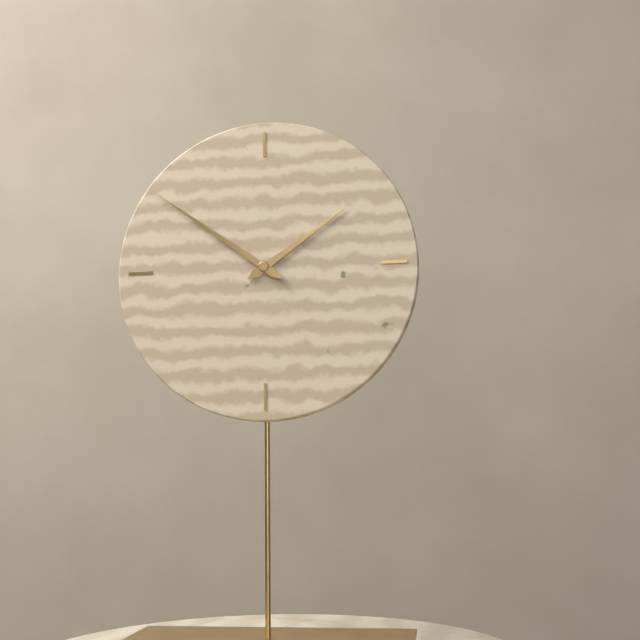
1h51
